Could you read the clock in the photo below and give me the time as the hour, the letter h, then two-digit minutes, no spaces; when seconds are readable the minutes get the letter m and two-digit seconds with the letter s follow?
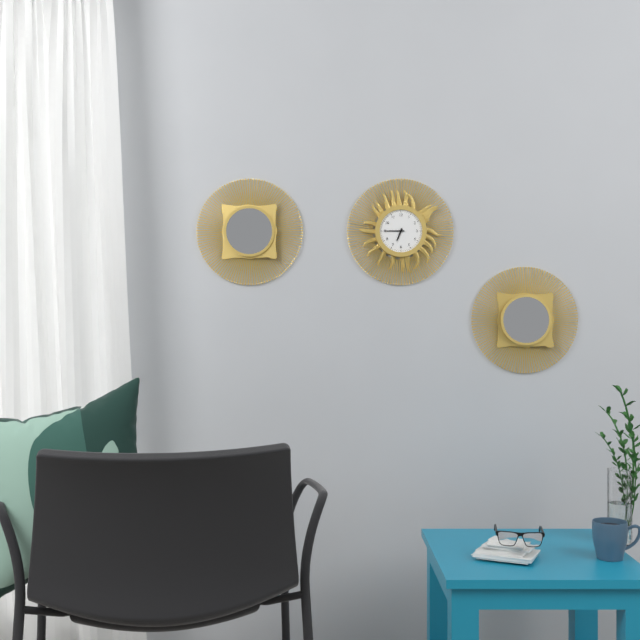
6h45
